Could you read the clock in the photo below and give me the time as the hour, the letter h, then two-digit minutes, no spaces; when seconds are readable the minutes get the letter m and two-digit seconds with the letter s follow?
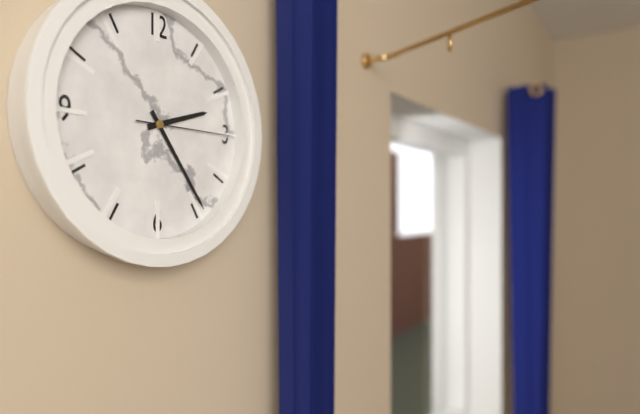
2h24m15s
